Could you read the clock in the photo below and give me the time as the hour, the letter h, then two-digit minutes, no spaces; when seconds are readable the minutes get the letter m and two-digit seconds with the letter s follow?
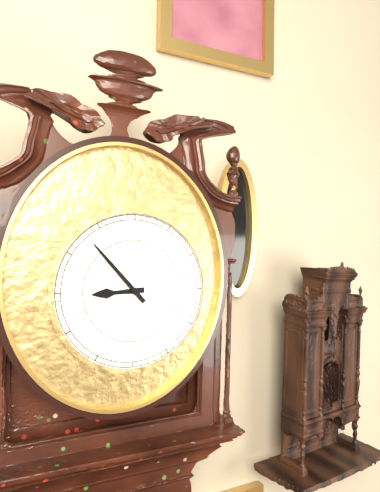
8h53
